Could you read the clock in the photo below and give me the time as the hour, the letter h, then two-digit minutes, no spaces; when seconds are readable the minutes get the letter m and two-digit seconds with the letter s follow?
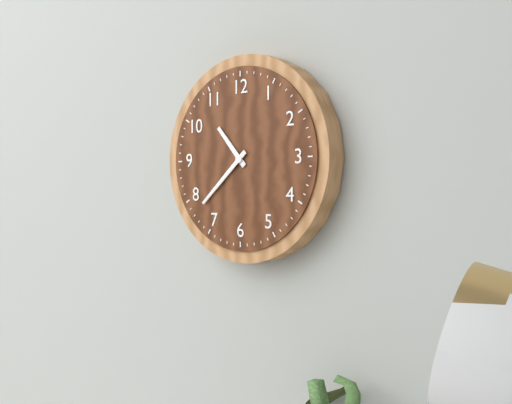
10h38
